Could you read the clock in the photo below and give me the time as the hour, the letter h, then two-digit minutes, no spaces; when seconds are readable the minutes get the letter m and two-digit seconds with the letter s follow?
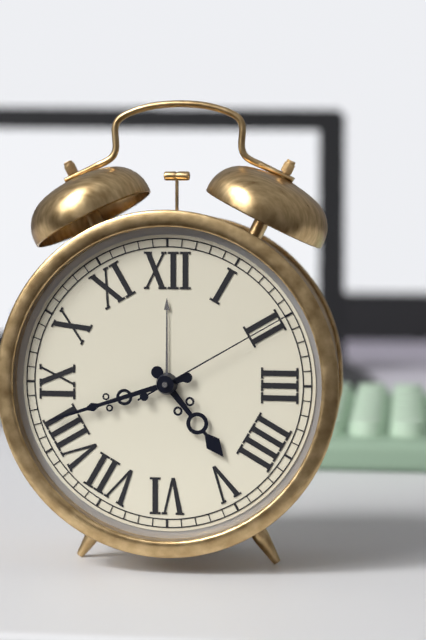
4h42m10s
